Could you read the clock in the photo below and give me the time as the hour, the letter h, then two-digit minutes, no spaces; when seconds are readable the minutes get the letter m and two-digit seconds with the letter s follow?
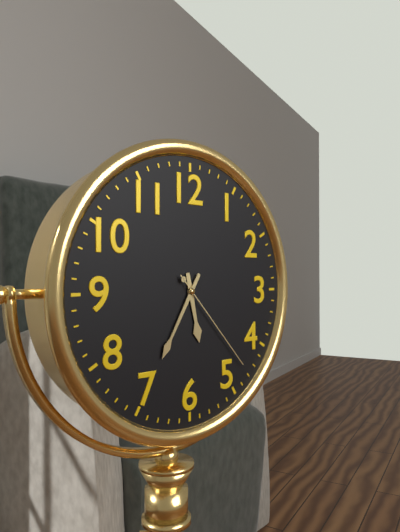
5h35m23s
